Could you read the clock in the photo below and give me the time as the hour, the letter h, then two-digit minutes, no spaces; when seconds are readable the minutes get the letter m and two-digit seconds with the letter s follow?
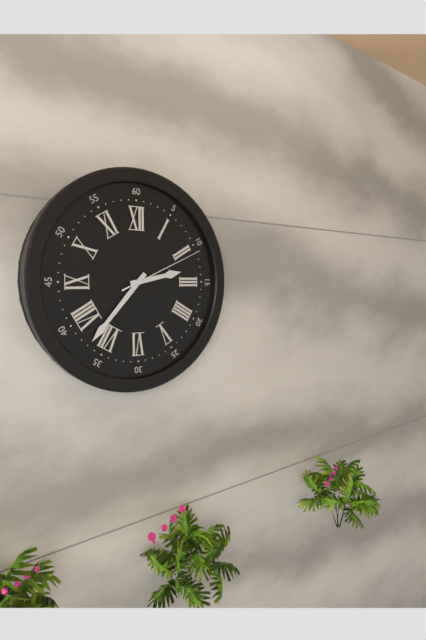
2h37m11s
